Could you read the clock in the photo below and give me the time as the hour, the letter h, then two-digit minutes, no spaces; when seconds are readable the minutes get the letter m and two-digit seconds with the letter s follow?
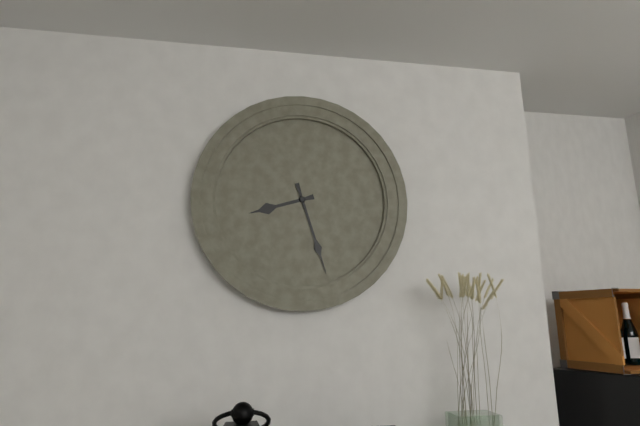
8h27
